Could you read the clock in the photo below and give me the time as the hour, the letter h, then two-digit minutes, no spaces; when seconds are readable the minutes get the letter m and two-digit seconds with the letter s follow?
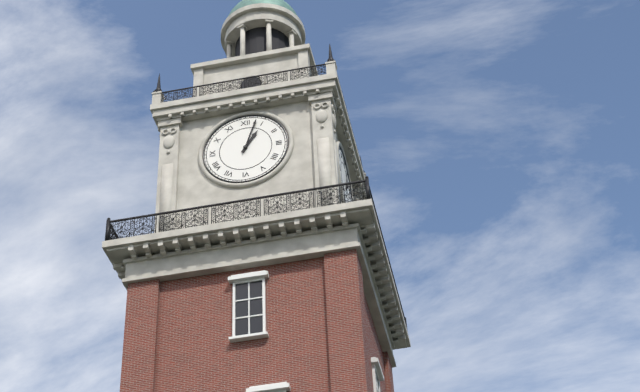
1h03
